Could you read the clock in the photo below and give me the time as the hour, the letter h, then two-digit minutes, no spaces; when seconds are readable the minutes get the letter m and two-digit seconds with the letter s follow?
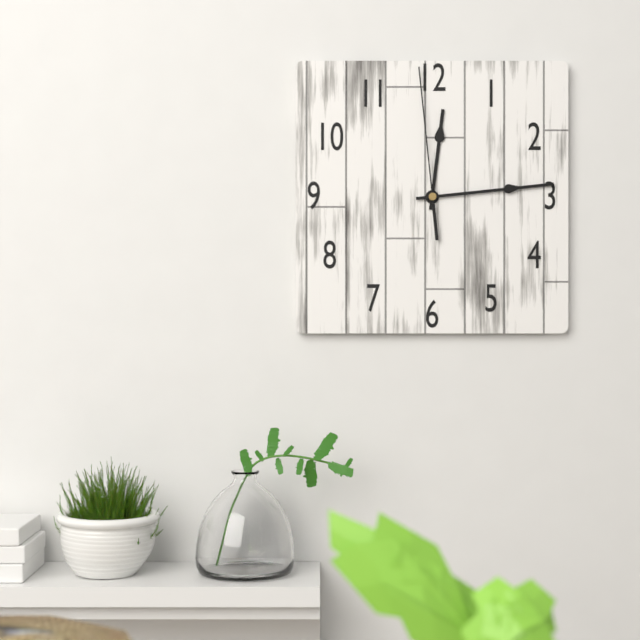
12h14m59s
